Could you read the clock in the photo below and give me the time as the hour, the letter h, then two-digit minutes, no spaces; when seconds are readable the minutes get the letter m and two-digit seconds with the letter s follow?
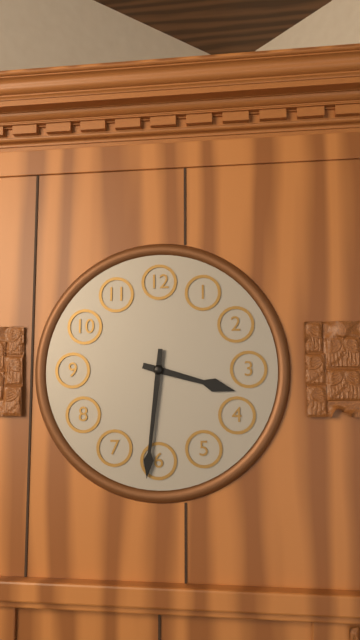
3h31
